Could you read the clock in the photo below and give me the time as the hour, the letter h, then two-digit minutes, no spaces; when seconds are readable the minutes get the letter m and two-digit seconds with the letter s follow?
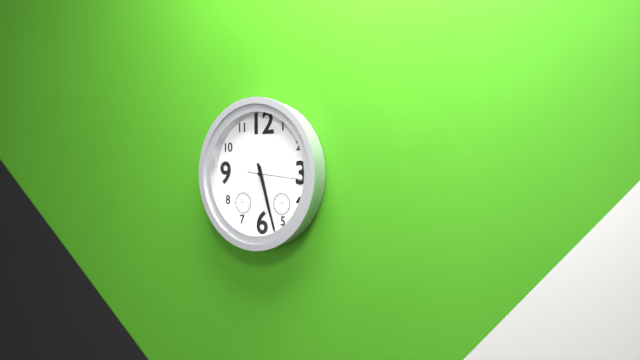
5h27m16s
